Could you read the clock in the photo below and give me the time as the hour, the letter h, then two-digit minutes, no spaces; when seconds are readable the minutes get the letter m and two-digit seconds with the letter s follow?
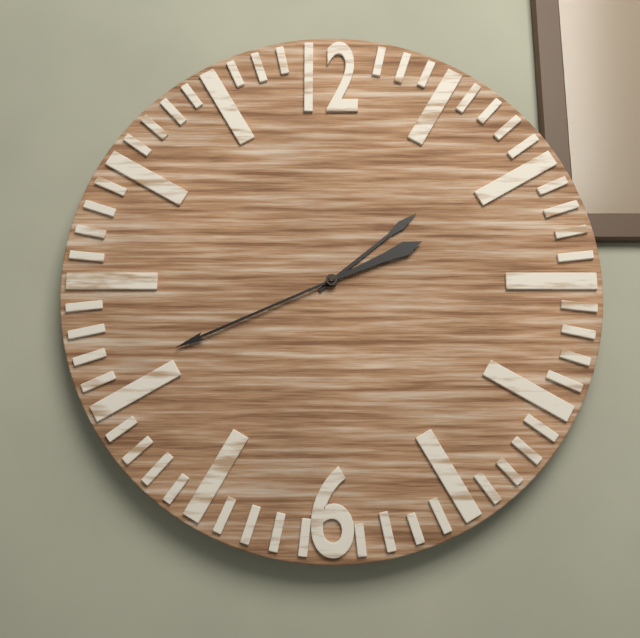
1h41
